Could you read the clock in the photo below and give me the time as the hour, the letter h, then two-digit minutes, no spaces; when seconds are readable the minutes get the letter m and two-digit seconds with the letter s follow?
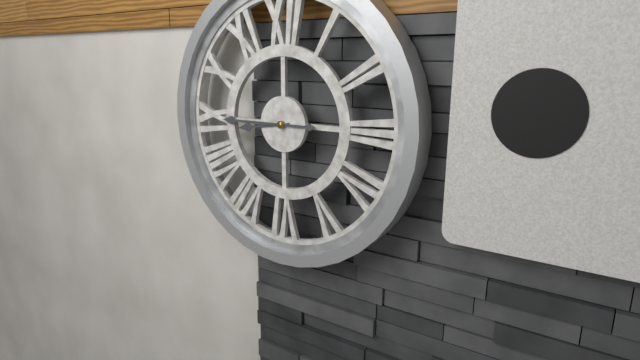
8h45
